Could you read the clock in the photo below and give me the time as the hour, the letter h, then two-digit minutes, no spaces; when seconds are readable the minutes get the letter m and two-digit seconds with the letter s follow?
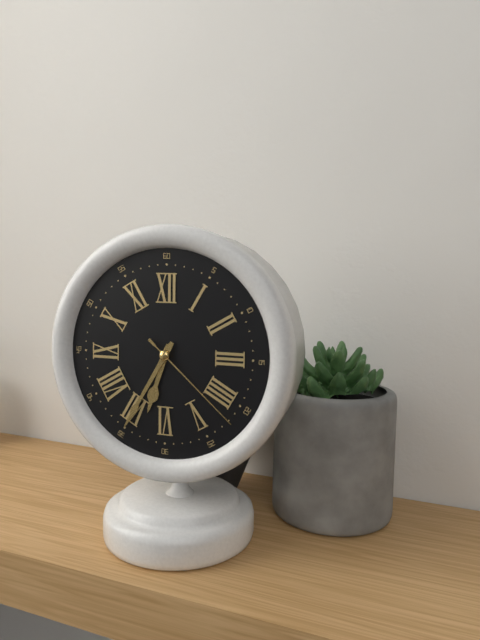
6h35m22s
